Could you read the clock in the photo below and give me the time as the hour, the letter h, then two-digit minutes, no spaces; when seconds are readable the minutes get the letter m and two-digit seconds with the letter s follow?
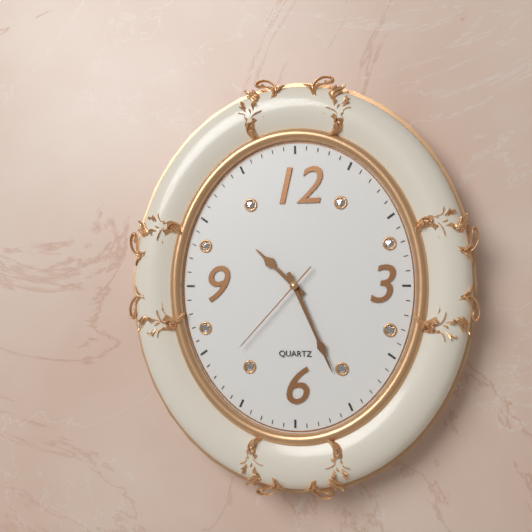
10h26m37s
